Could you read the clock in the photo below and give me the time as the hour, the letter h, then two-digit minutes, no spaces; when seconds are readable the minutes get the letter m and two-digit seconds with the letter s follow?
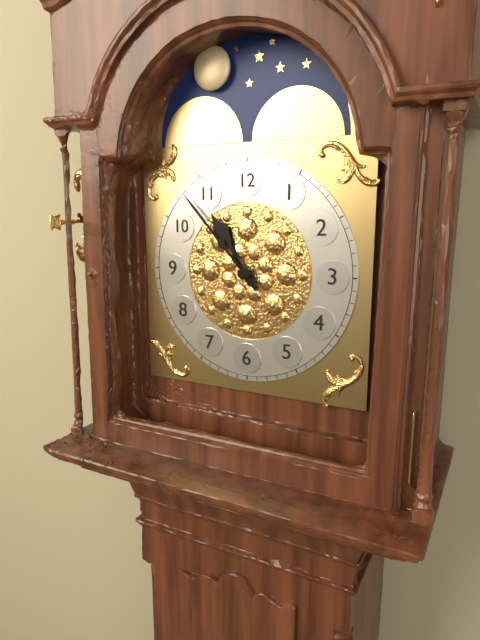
10h53
